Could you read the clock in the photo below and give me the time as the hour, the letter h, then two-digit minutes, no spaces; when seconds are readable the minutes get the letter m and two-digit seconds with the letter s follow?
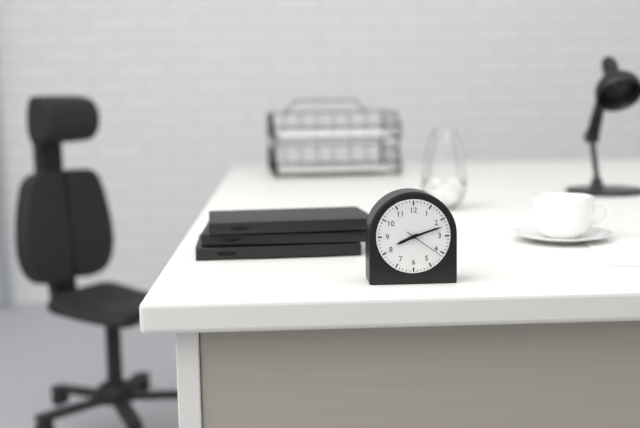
8h12
